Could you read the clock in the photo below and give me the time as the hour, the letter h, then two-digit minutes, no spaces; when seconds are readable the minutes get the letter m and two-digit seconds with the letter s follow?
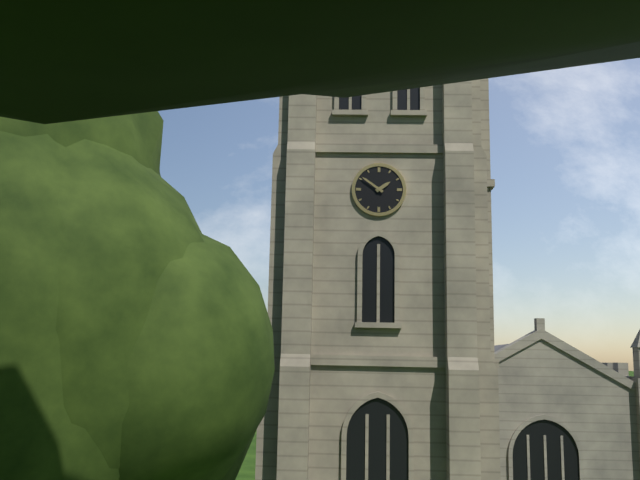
1h51
